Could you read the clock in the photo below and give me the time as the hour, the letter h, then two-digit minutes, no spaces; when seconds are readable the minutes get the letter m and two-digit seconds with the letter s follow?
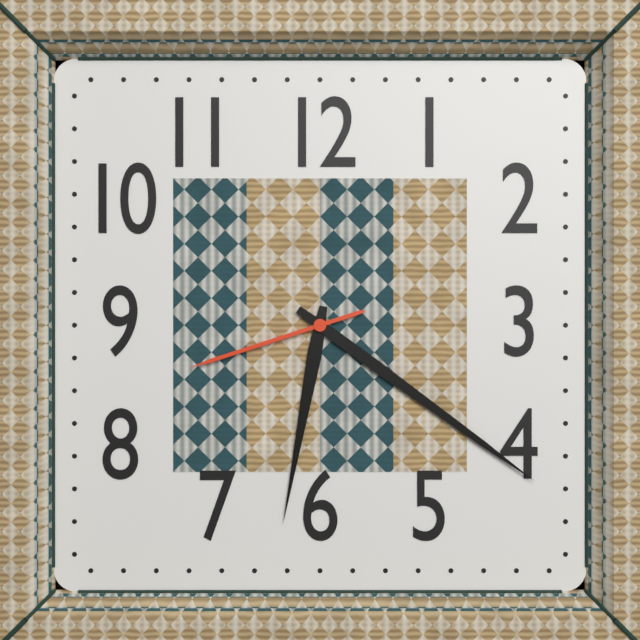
6h21m42s
